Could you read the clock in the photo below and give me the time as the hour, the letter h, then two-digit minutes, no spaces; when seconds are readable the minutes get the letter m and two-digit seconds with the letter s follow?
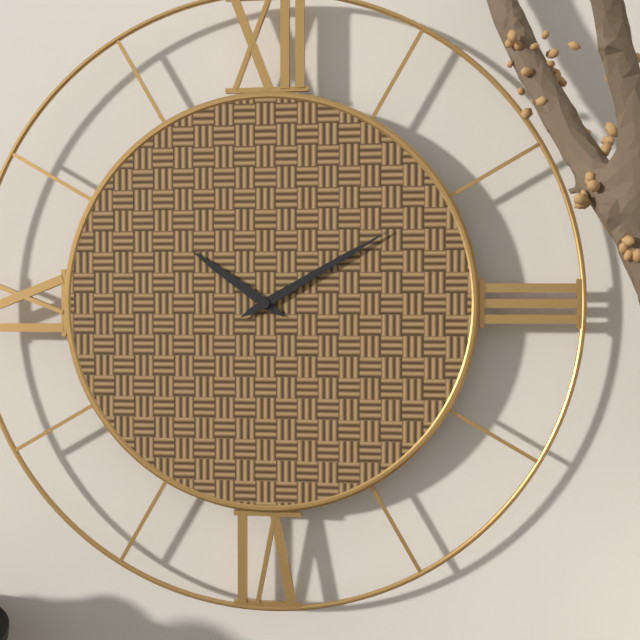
10h10
